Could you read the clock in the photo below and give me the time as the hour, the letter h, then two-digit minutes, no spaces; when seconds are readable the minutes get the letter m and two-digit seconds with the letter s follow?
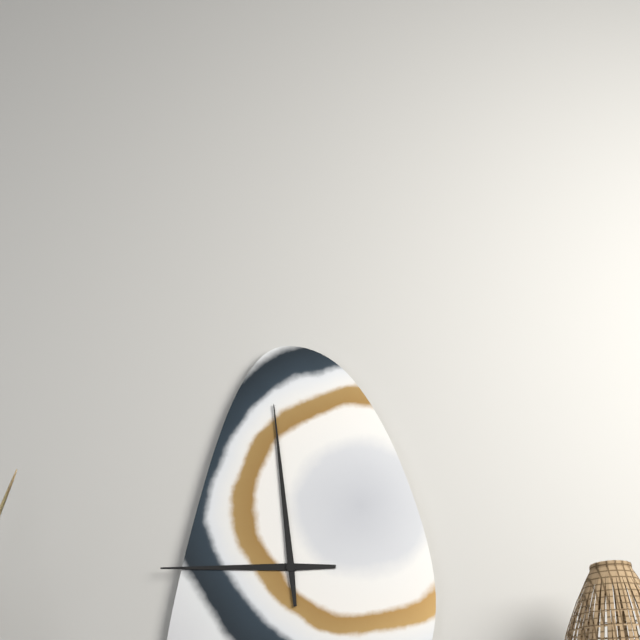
8h59
